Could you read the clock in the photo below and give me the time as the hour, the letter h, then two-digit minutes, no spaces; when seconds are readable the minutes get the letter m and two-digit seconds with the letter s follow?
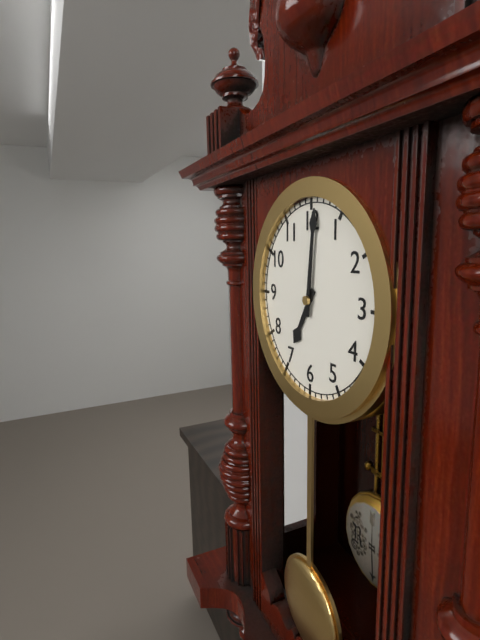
7h01
